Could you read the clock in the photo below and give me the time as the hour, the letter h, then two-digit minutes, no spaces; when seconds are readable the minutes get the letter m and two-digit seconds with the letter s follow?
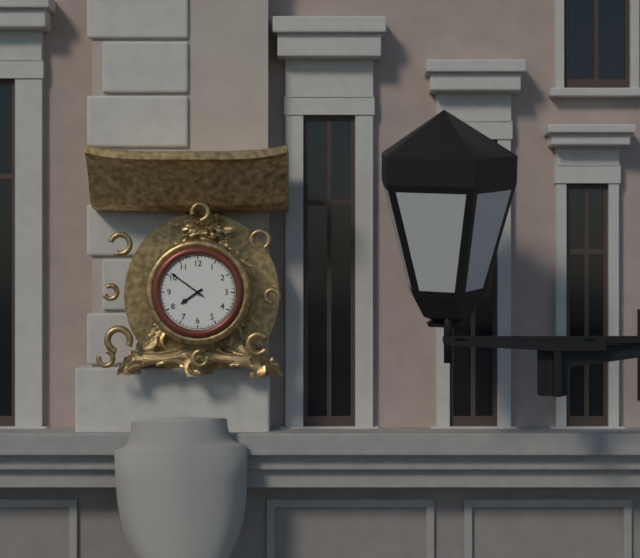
7h51
